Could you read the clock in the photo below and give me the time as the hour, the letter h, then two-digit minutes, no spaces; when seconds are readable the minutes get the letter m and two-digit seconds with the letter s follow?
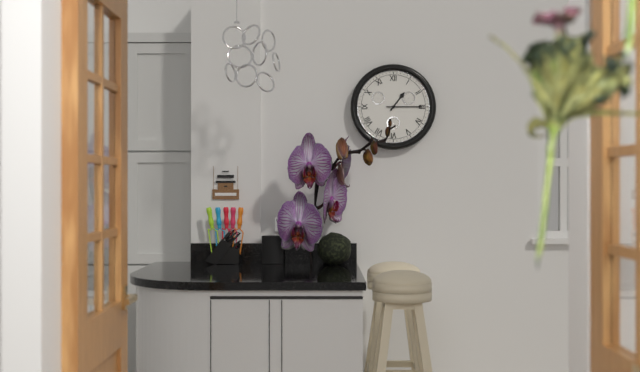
1h15
